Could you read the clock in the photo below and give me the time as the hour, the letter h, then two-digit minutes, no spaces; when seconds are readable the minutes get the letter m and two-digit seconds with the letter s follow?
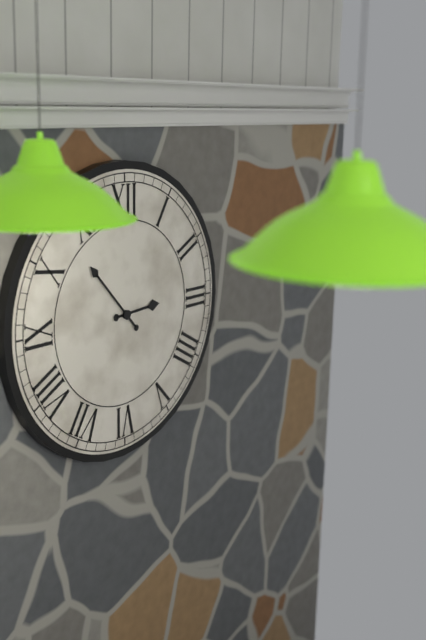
2h53
